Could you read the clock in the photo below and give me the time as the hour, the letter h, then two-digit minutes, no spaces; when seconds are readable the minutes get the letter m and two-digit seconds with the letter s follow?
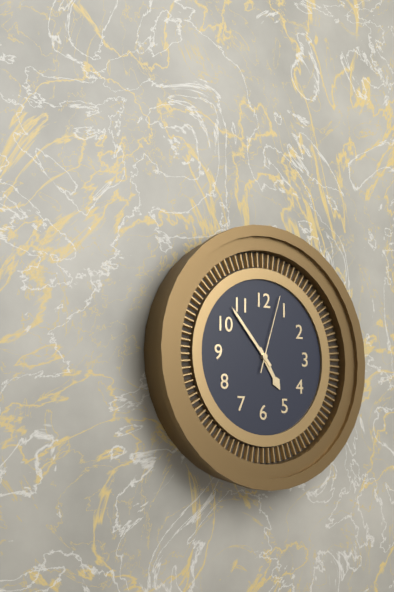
4h53m03s
